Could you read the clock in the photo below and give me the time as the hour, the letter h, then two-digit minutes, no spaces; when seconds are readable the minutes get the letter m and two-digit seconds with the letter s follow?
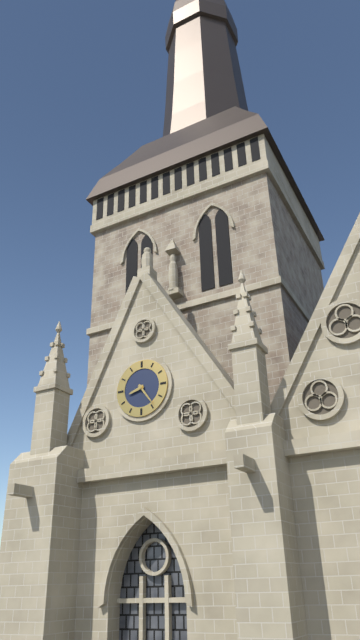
8h24
